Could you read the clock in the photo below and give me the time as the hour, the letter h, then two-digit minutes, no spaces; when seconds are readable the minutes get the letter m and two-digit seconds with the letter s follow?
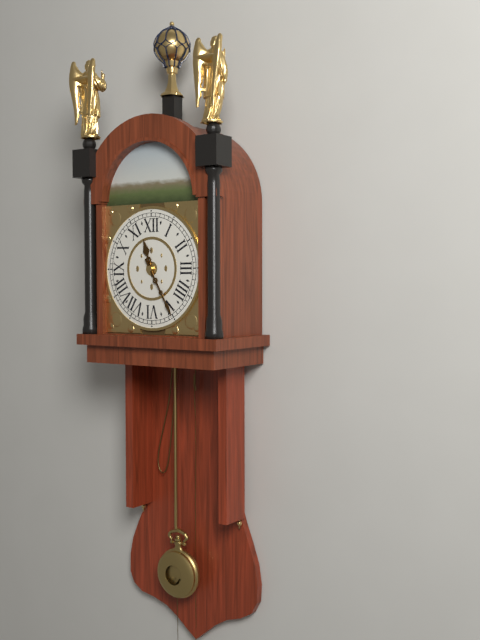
11h25
